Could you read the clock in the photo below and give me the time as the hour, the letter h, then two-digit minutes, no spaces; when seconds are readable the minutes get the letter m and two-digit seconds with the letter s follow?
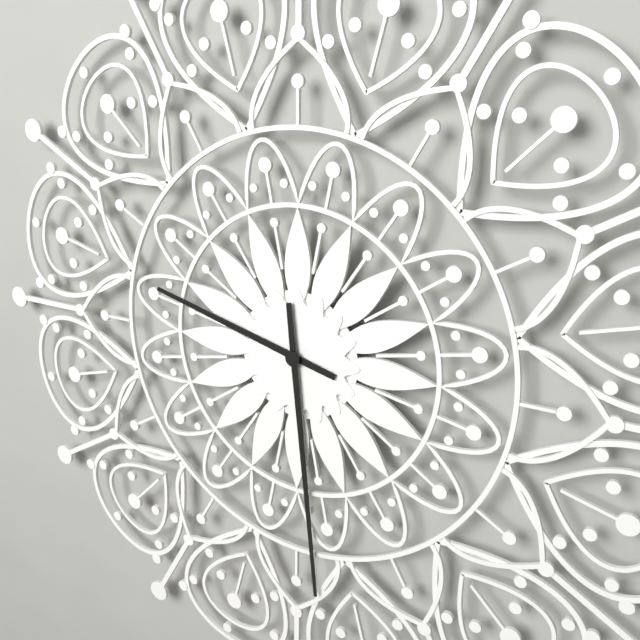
9h29
